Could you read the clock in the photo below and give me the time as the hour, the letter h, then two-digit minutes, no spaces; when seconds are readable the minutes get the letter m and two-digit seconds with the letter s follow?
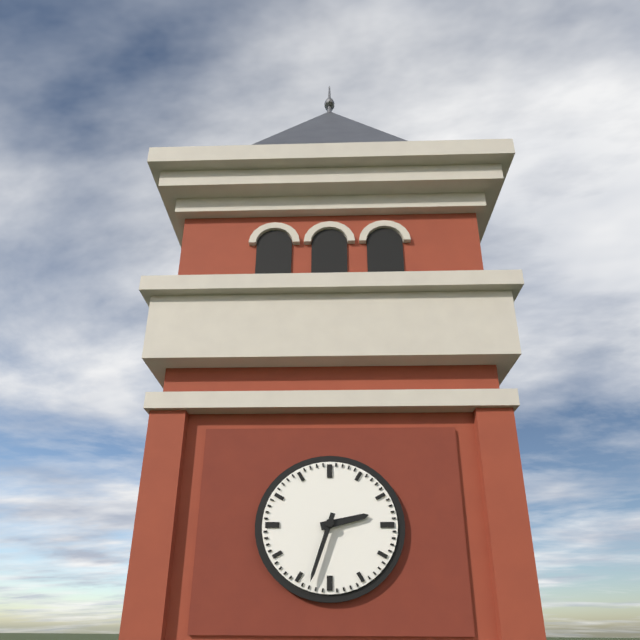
2h33
